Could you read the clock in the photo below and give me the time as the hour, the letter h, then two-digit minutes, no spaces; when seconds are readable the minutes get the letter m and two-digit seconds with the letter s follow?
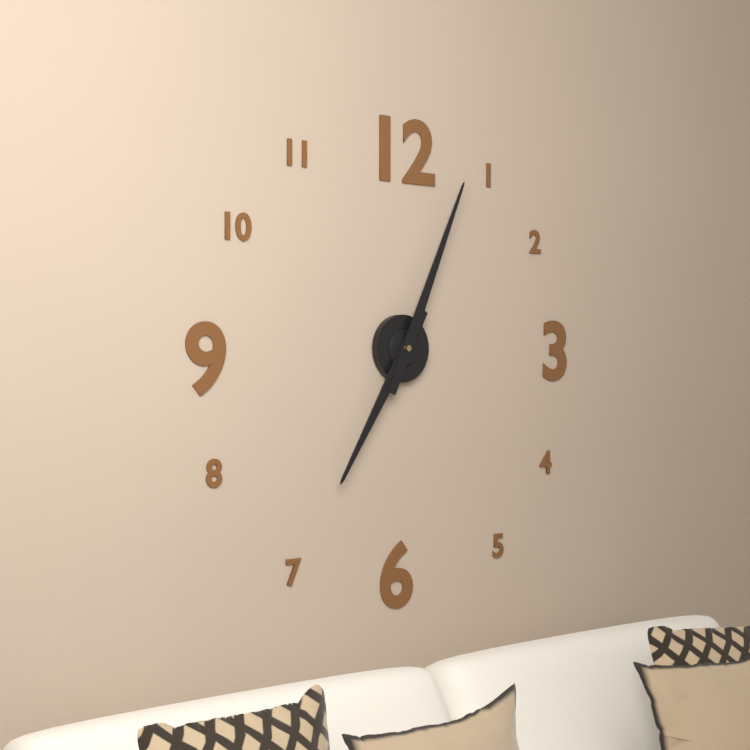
7h04
